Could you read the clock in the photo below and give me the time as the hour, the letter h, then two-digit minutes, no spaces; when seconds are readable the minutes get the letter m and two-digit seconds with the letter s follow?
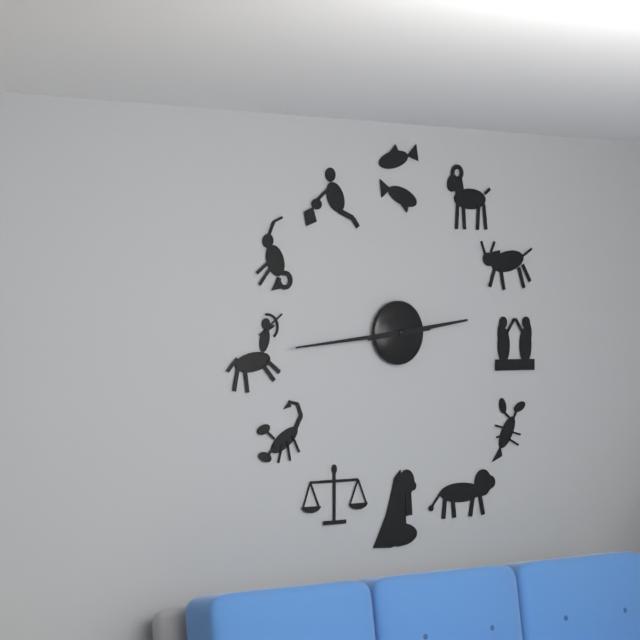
2h44
